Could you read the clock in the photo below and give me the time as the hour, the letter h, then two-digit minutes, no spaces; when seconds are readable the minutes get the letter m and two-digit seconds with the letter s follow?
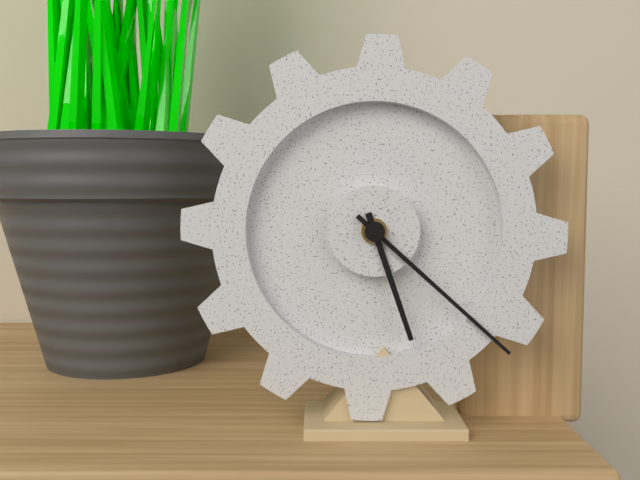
5h22
